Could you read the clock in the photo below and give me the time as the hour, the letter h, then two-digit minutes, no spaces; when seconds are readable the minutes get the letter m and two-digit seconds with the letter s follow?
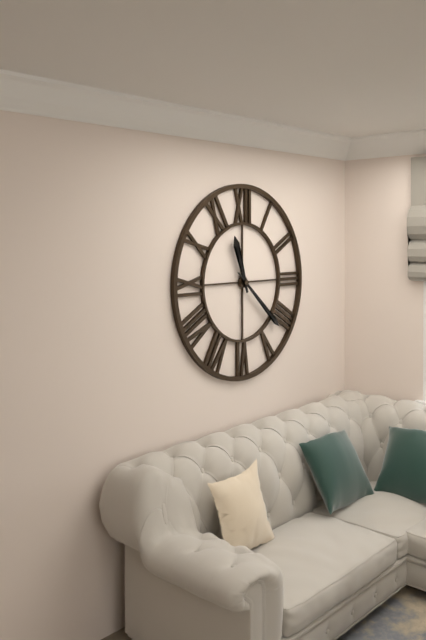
11h22
